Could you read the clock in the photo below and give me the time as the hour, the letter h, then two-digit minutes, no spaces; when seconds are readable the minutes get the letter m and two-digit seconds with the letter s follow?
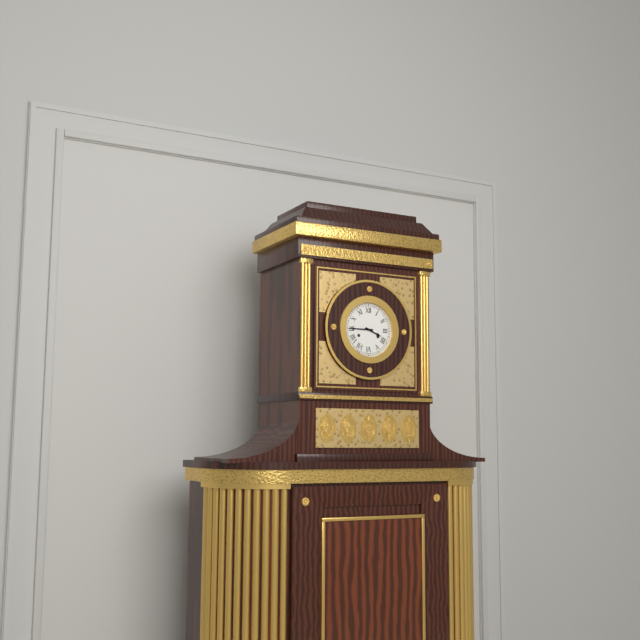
3h45
